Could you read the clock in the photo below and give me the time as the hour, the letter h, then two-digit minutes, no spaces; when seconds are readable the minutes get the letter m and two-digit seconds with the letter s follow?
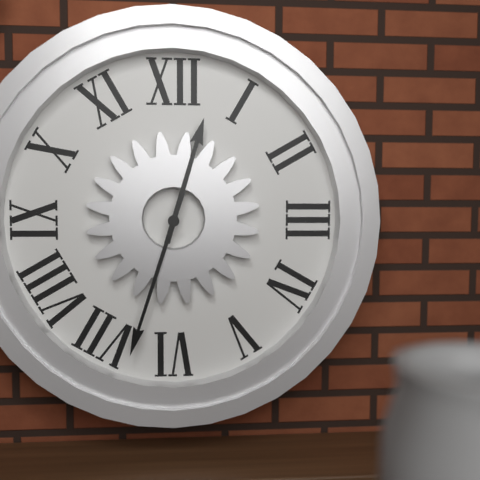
12h33
